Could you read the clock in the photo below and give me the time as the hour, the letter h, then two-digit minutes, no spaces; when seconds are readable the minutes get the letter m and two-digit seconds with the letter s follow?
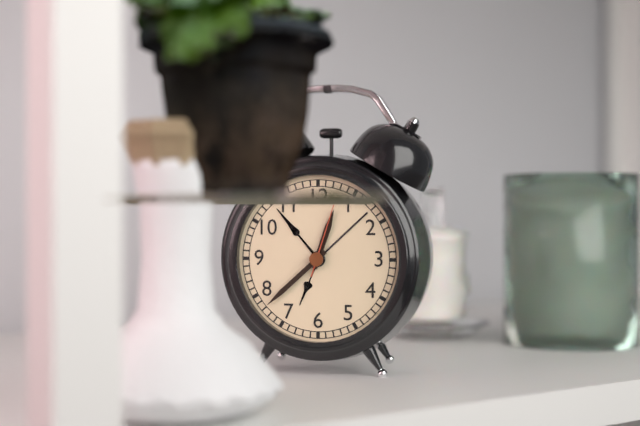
12h38m03s
